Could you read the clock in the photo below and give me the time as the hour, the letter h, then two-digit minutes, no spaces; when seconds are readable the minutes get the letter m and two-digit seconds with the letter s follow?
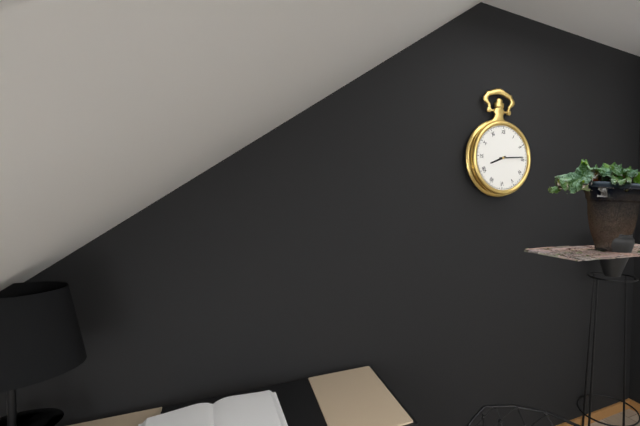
8h14
